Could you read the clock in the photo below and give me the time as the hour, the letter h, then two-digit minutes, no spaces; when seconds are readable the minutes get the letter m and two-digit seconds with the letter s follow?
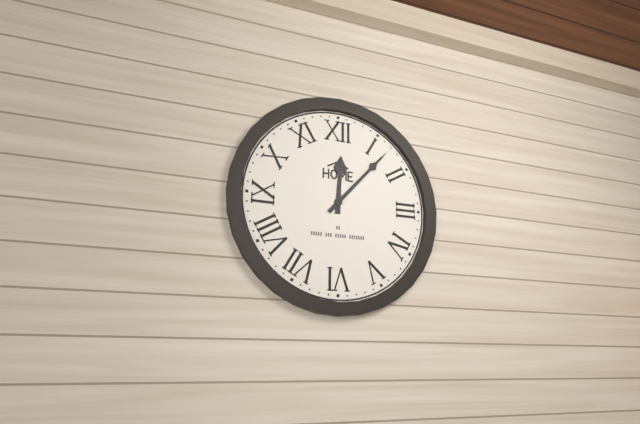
12h07
